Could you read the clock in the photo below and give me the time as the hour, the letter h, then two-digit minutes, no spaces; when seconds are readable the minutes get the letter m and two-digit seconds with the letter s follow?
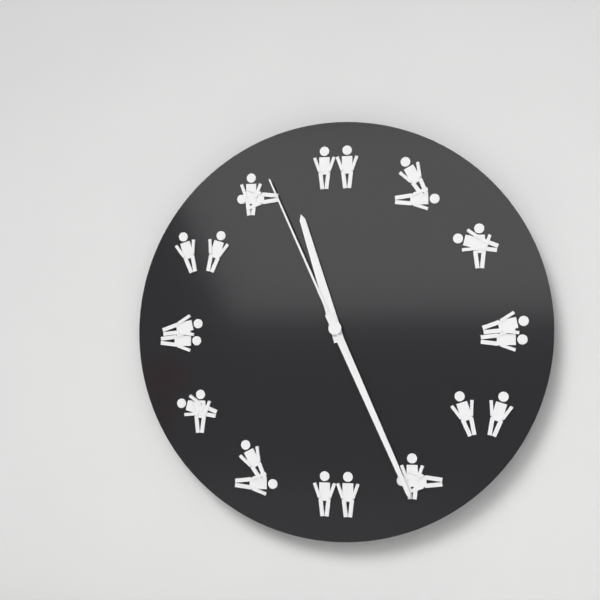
11h26m56s
